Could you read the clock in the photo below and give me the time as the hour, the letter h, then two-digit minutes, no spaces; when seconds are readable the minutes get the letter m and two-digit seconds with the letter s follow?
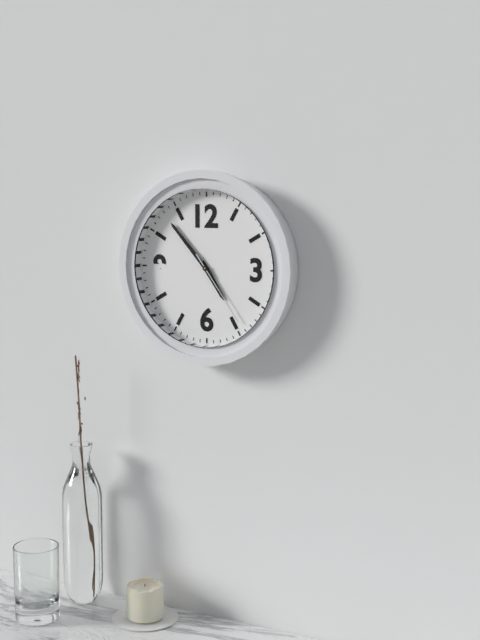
4h53m24s
